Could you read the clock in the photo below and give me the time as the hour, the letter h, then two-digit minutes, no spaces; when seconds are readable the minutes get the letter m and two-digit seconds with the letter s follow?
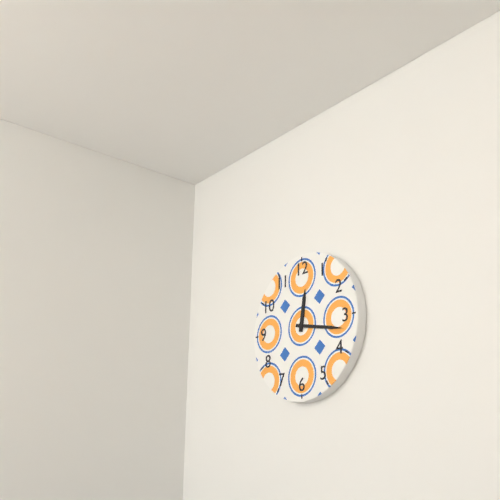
12h17
